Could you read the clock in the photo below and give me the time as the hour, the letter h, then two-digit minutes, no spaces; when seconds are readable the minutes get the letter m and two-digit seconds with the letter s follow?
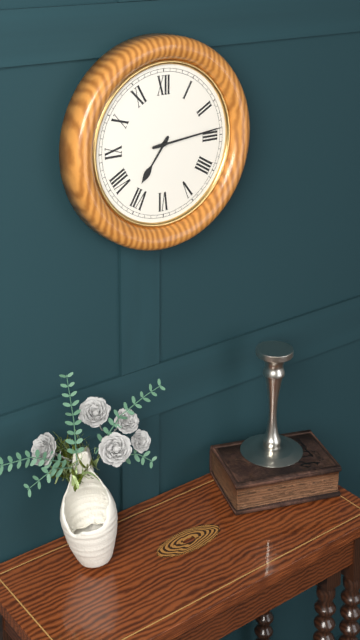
7h14
